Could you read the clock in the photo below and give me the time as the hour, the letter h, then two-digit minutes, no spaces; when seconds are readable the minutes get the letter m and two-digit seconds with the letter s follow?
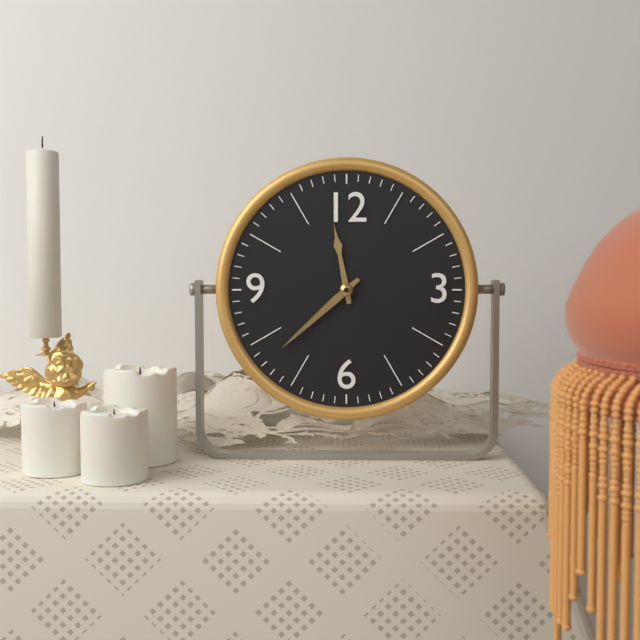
11h38
